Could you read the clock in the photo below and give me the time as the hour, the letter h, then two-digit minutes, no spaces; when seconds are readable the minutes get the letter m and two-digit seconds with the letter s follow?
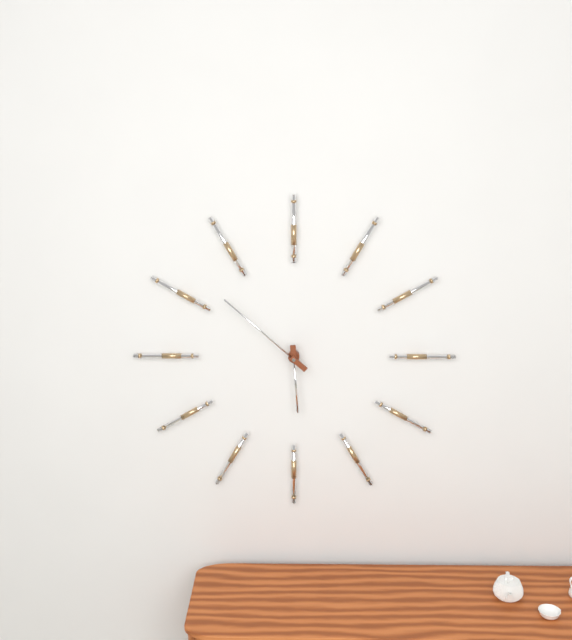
5h52
